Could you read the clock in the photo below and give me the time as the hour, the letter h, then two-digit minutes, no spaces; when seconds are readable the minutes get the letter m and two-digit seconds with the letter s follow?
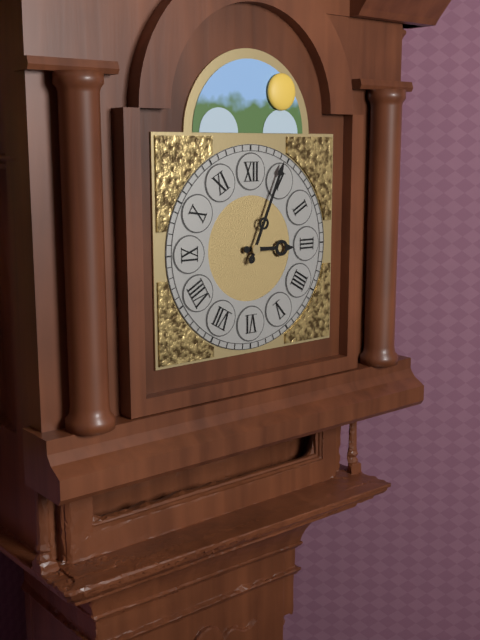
3h04
